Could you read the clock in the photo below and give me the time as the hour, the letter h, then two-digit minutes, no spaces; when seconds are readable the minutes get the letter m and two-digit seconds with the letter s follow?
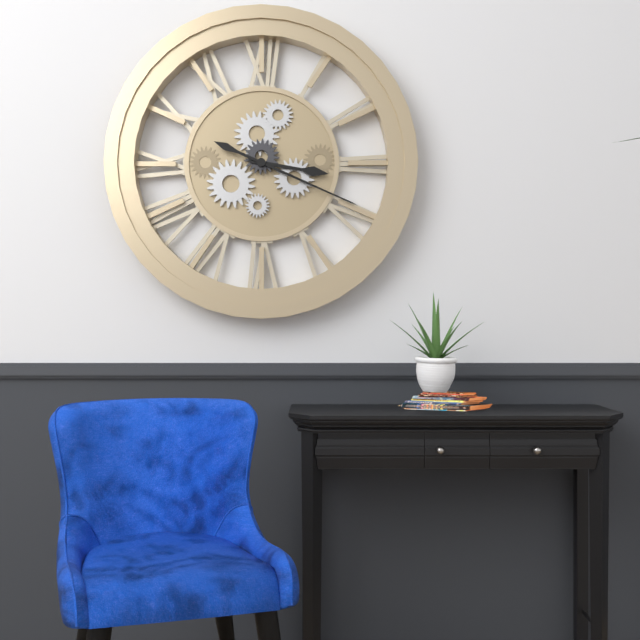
3h19
